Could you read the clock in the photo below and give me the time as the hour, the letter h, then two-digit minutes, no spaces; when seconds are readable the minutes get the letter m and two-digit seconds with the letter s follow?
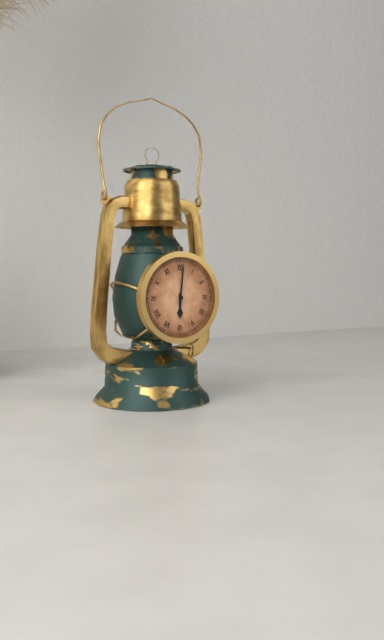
6h01
